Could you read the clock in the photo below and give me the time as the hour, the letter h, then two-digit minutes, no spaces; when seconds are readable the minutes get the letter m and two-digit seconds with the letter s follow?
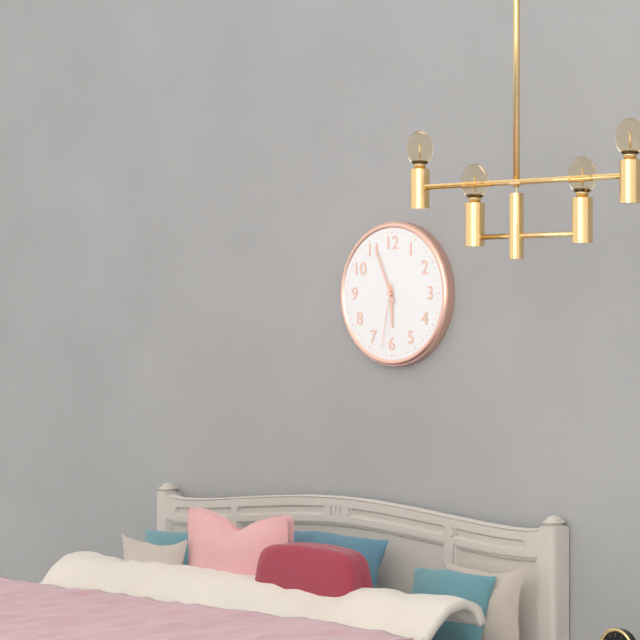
5h56m32s
